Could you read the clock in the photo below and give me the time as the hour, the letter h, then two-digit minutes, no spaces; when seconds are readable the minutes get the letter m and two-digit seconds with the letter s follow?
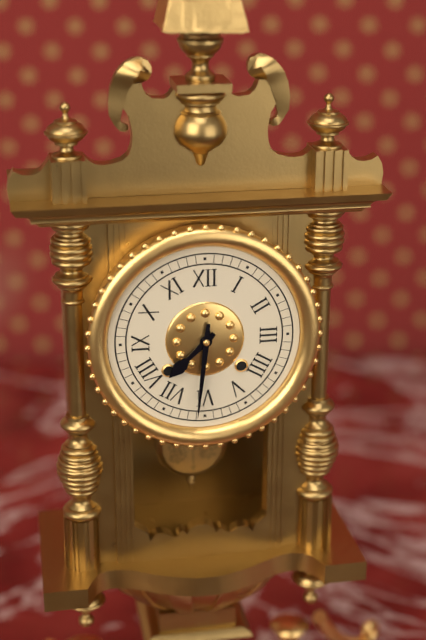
7h31
